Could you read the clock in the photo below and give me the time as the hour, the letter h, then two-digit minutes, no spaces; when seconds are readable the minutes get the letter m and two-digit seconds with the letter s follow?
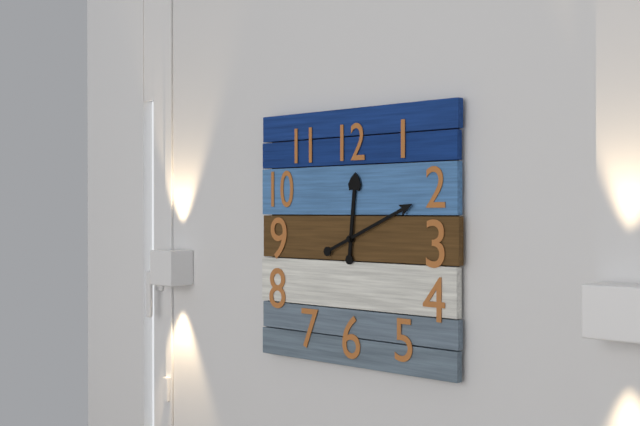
12h11
